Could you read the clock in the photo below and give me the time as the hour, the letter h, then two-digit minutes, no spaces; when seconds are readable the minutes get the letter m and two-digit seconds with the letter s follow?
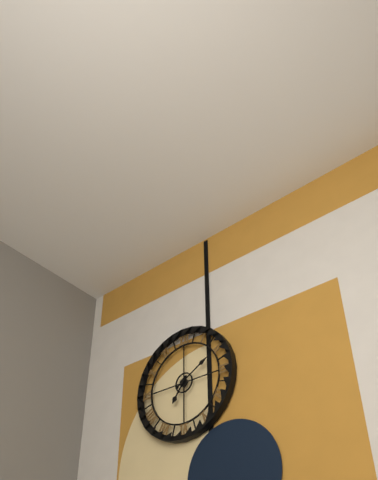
7h10
